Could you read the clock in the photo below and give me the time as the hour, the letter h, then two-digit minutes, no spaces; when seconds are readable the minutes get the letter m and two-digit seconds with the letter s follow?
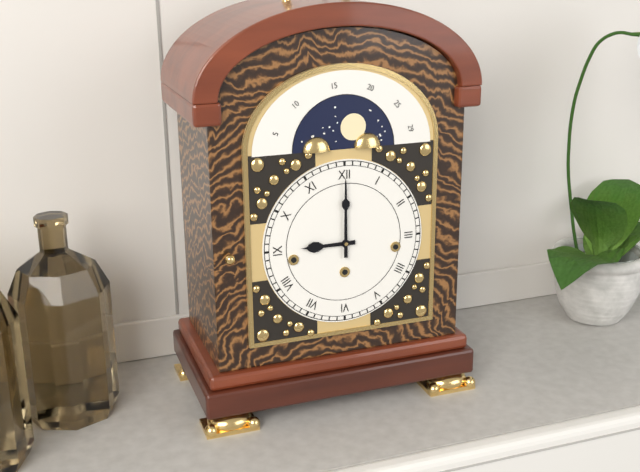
9h00
